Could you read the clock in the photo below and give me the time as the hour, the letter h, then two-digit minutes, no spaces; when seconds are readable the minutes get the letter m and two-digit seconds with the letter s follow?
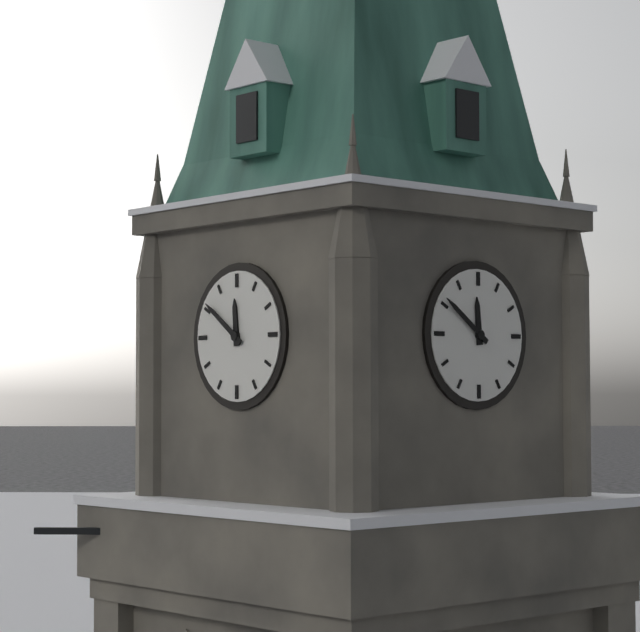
11h51
